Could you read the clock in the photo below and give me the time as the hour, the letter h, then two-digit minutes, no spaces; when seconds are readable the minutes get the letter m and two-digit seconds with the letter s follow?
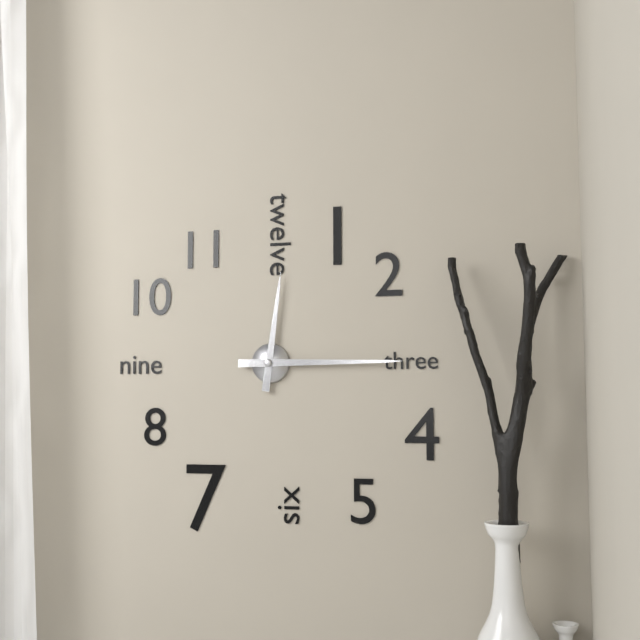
12h15
